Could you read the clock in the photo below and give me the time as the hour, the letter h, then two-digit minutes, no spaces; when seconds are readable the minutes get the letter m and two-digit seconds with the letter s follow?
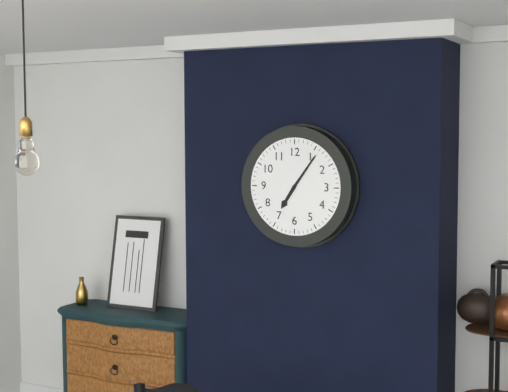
7h06
